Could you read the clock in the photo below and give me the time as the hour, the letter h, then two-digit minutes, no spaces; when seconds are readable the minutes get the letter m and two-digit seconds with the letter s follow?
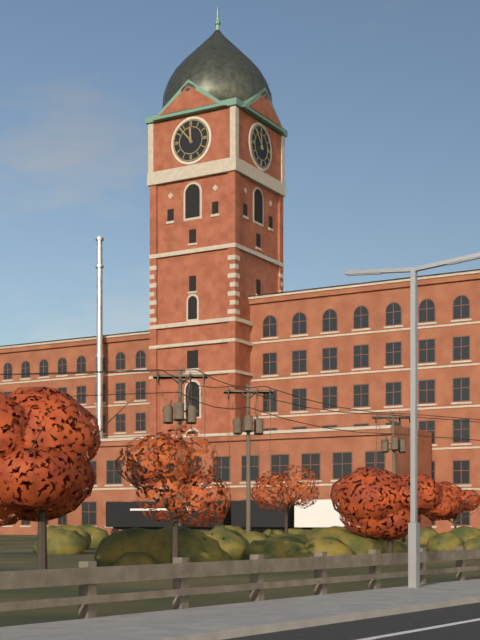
11h53
